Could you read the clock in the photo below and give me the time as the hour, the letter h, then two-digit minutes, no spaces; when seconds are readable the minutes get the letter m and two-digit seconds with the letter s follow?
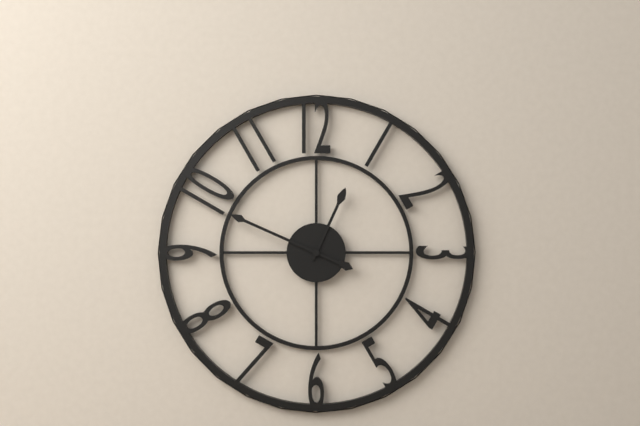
12h49
